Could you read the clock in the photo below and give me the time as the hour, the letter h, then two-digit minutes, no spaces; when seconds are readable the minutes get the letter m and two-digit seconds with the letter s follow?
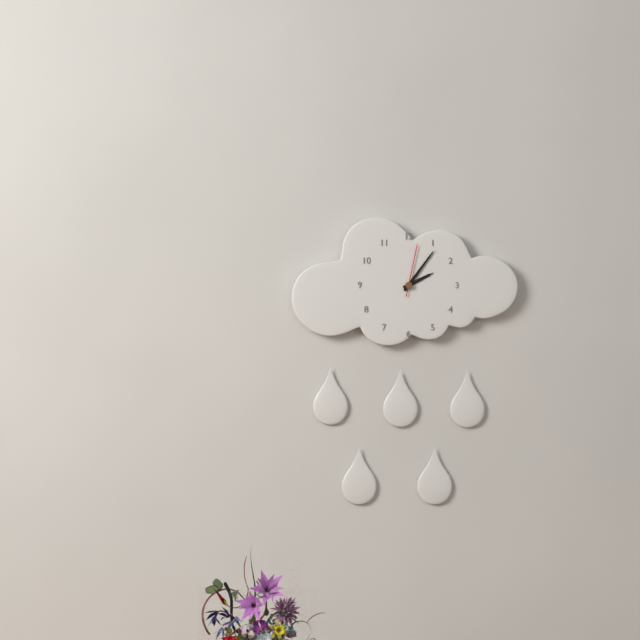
2h06m02s
